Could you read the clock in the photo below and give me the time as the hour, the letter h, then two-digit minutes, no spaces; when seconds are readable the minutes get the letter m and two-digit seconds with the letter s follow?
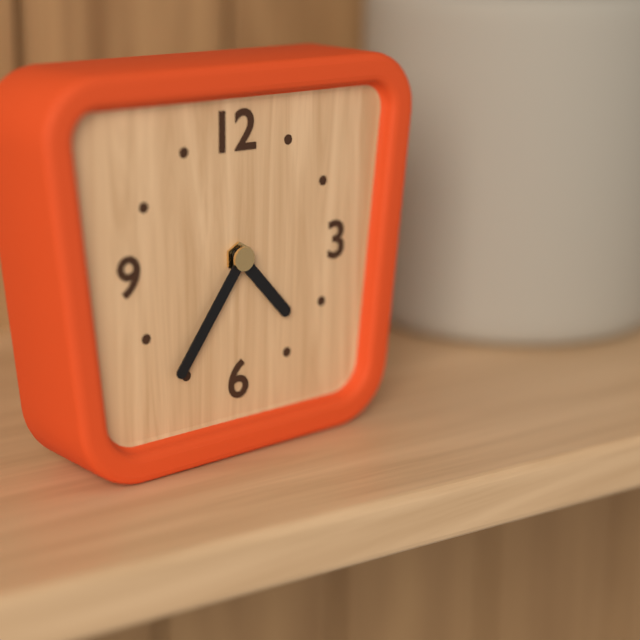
4h36
